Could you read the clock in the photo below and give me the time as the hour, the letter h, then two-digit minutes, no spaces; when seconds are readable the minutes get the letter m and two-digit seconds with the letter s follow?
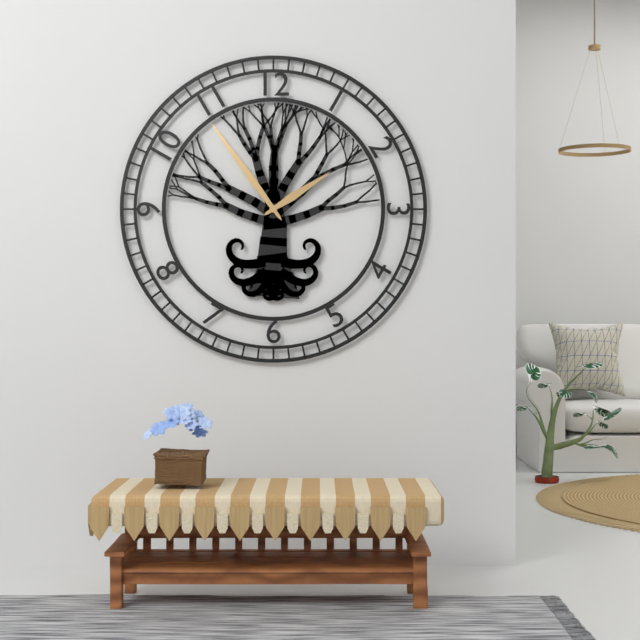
1h54
